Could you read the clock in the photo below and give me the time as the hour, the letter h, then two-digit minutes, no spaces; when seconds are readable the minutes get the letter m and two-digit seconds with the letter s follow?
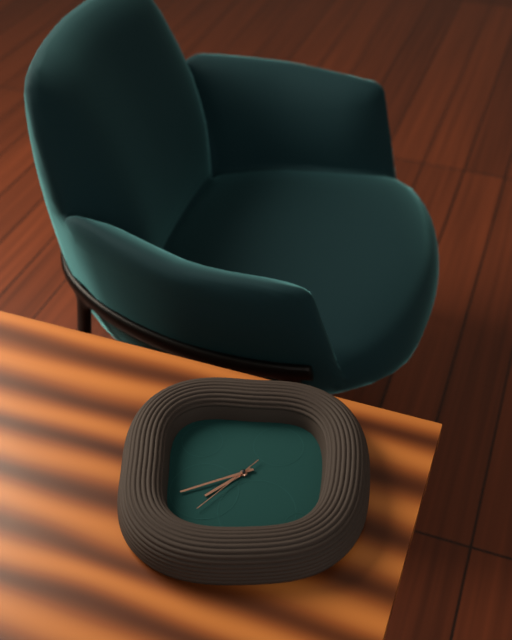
7h41m37s
